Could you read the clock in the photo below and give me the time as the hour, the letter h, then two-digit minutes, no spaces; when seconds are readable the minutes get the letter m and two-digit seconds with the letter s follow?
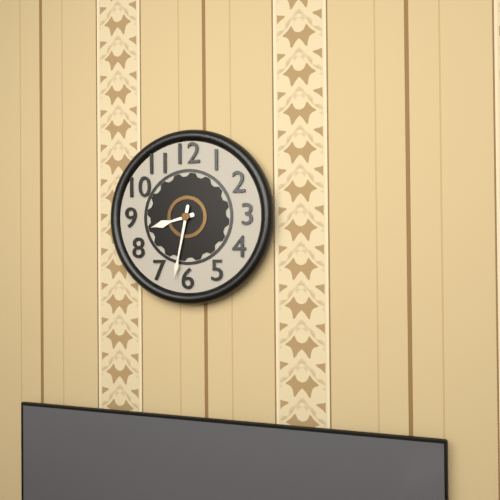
8h32
